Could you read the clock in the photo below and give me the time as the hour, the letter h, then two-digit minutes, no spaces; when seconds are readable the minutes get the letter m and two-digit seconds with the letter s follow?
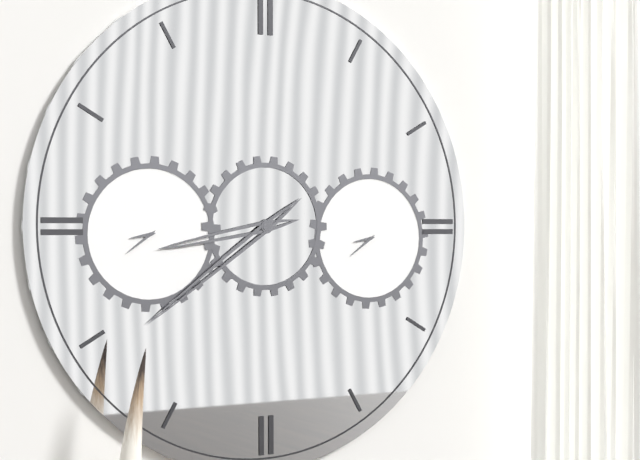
8h39
